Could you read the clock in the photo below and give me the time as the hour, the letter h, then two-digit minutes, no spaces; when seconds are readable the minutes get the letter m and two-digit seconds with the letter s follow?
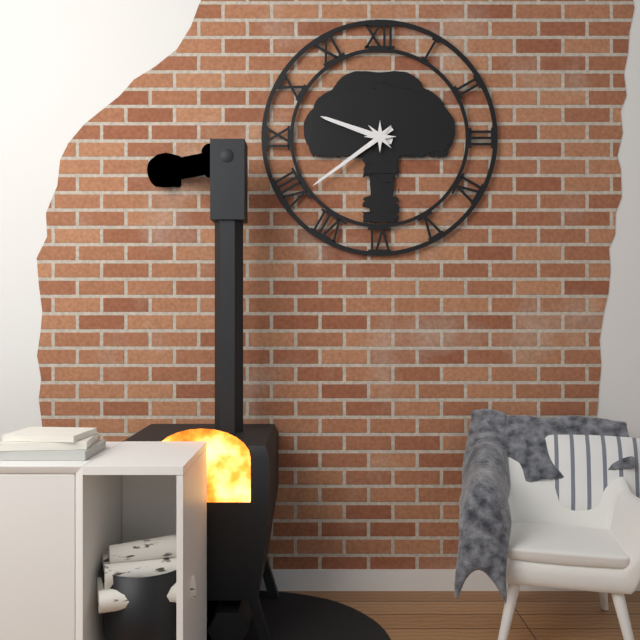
9h39
